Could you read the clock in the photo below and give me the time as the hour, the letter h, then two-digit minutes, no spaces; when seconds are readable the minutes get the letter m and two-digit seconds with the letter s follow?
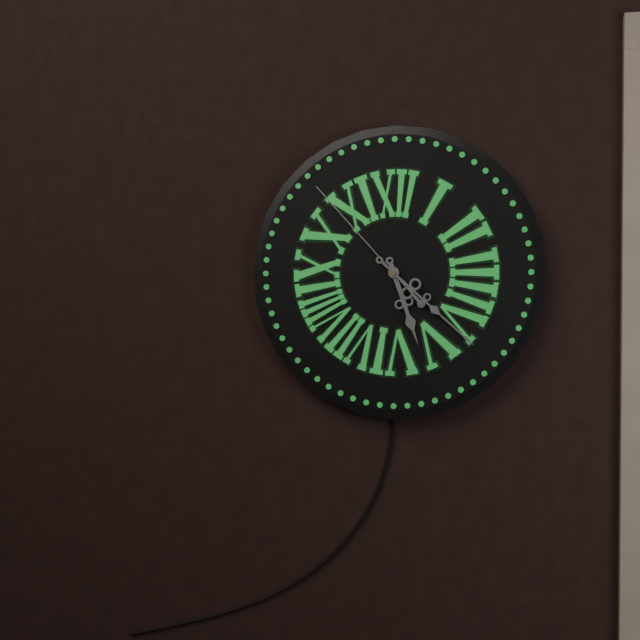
5h22m53s
